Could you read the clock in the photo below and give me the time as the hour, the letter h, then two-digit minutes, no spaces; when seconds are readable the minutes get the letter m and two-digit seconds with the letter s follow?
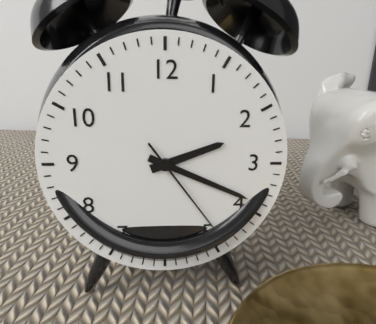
2h19m24s
